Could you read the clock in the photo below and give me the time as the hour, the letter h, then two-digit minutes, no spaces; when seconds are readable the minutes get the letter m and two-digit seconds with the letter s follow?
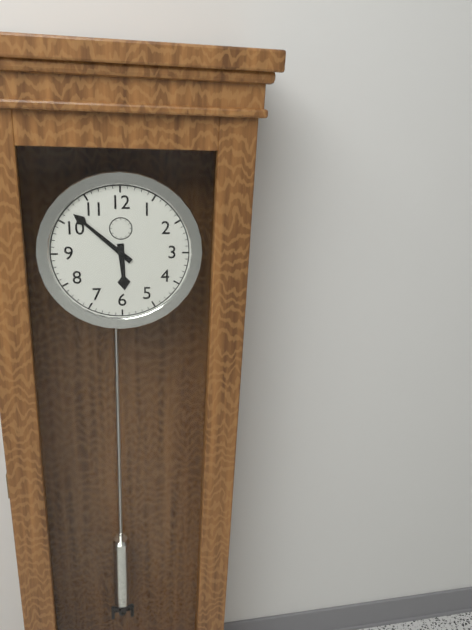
5h52
